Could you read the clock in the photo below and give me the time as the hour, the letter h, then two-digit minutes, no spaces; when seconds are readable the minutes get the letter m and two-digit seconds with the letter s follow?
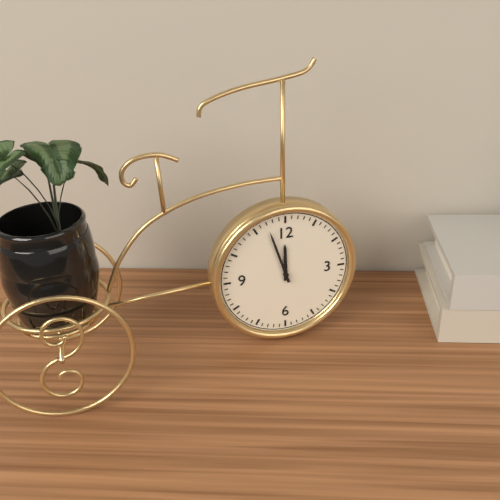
11h57
